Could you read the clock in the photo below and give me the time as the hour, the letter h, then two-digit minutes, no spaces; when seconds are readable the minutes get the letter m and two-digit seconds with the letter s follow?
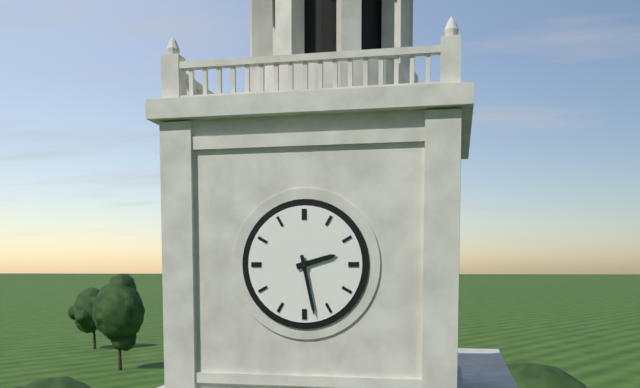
2h28
